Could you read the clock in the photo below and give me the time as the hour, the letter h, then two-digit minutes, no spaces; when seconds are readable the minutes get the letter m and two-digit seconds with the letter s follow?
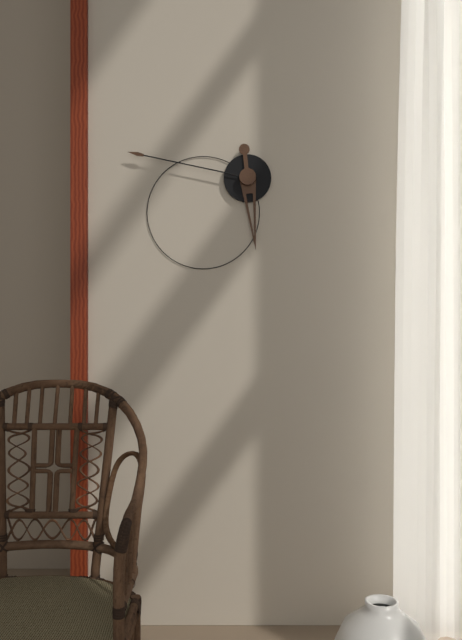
5h47
